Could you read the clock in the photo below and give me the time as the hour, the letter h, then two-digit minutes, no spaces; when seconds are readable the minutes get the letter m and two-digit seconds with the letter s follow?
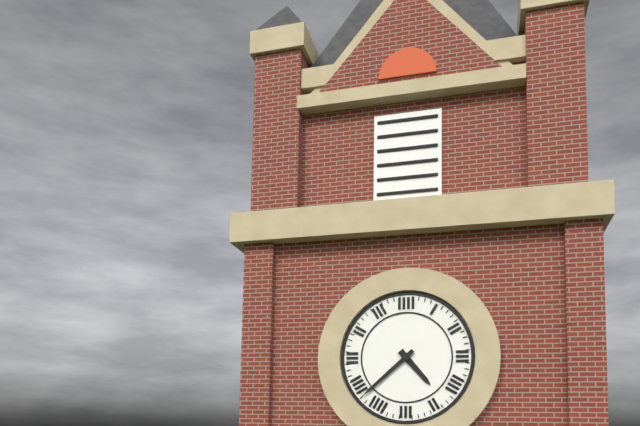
4h38
